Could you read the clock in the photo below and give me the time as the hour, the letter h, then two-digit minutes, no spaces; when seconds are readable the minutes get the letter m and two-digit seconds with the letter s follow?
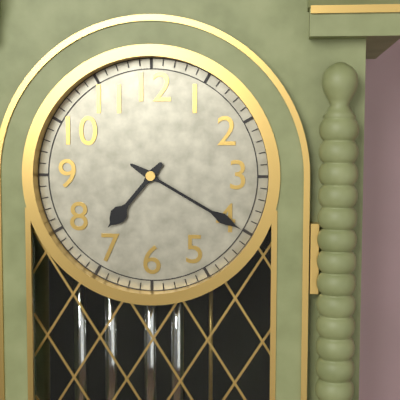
7h20
